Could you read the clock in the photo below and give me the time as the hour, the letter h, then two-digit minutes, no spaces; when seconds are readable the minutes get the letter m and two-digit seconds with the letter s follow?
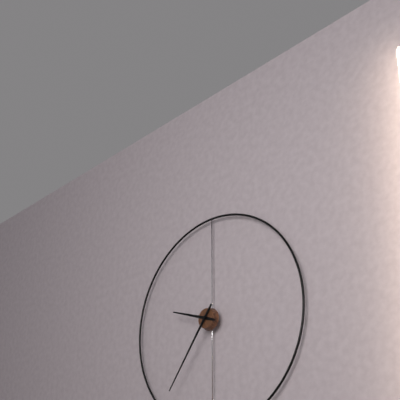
9h36
